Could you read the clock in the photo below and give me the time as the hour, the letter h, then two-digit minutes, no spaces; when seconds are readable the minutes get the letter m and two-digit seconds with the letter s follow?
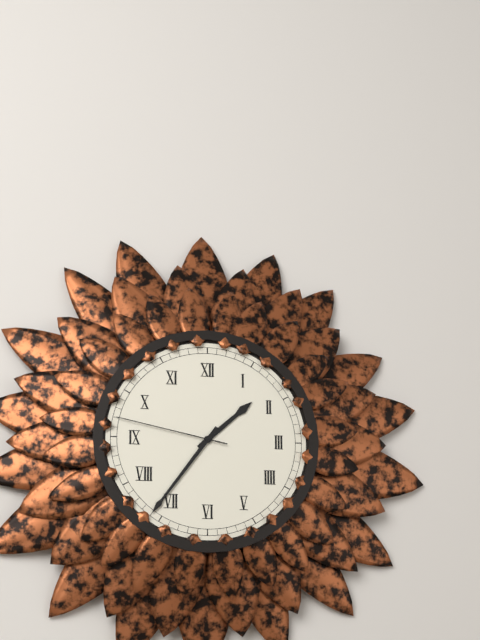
1h36m47s
